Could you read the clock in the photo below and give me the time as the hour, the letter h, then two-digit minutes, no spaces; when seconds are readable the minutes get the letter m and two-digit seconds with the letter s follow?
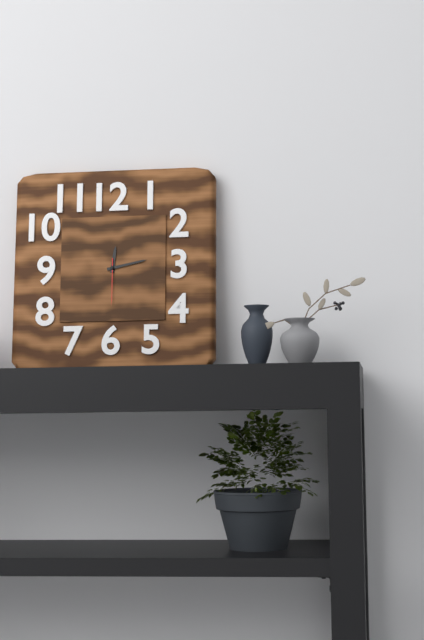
12h13
